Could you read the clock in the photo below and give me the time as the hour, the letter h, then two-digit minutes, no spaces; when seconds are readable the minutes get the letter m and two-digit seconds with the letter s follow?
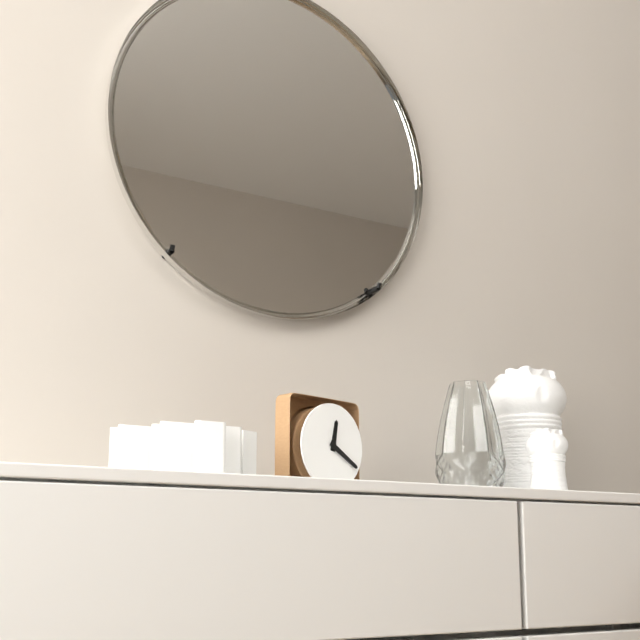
12h20
